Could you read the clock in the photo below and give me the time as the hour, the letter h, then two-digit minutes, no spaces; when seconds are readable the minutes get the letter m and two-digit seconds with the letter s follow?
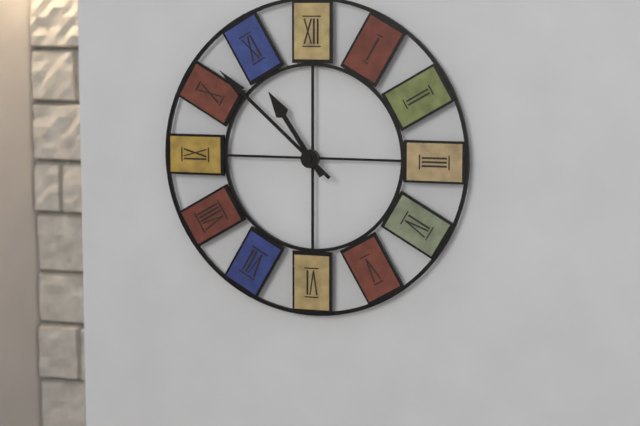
10h52
